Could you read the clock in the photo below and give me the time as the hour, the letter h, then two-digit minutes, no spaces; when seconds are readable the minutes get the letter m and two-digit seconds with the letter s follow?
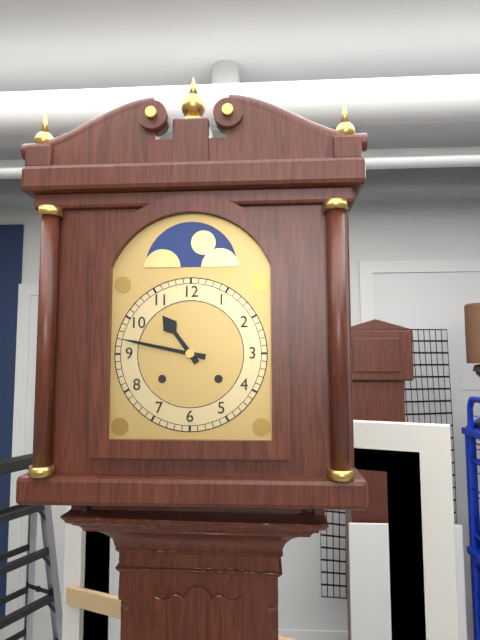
10h47
